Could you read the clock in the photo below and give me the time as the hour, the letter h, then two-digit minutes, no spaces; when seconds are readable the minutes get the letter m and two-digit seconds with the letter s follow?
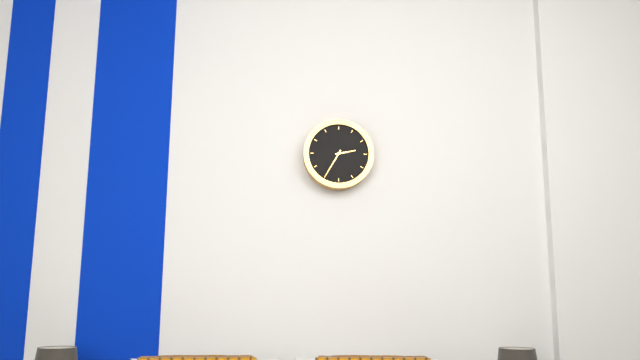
2h35
